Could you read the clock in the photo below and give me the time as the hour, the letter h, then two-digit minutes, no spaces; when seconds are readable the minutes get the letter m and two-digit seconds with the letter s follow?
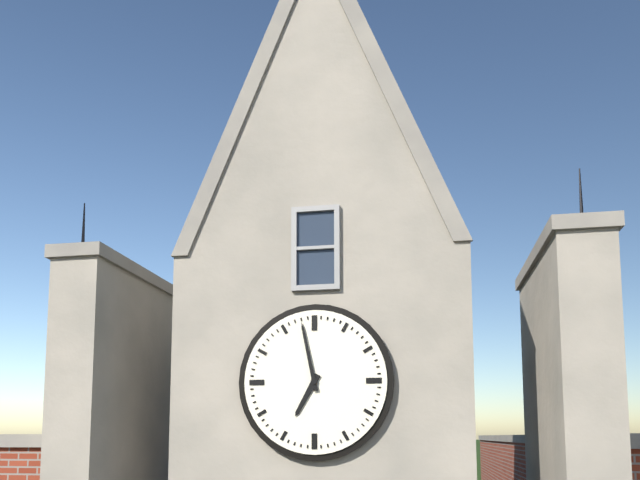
6h58
